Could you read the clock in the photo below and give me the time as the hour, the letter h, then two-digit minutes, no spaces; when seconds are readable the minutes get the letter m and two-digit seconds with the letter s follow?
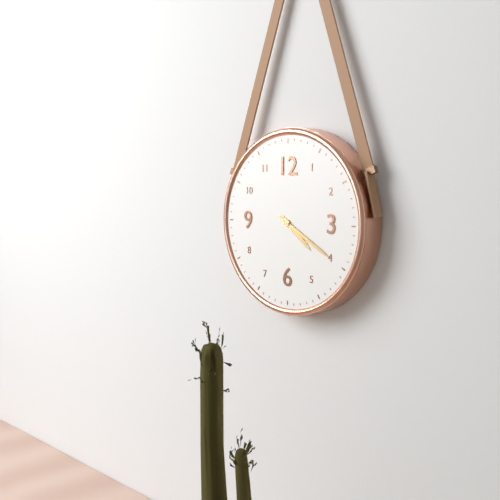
4h20
